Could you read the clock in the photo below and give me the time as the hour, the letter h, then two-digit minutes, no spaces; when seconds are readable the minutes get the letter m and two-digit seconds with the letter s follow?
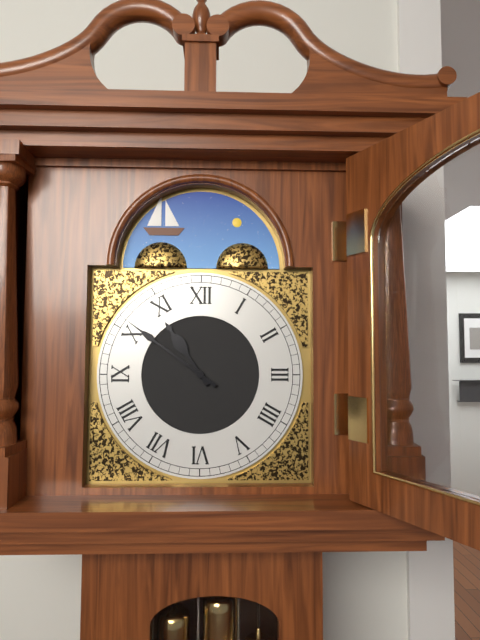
10h51
